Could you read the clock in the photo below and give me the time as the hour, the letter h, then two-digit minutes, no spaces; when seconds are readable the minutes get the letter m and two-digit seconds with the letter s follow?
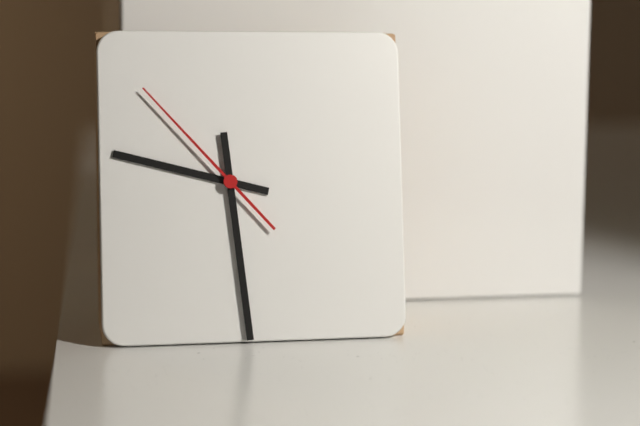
9h29m53s
